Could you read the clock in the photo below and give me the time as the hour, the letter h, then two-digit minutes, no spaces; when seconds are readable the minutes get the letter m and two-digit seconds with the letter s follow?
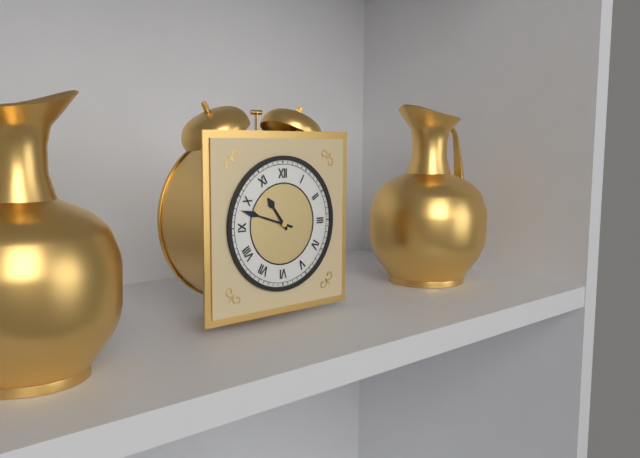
10h48
